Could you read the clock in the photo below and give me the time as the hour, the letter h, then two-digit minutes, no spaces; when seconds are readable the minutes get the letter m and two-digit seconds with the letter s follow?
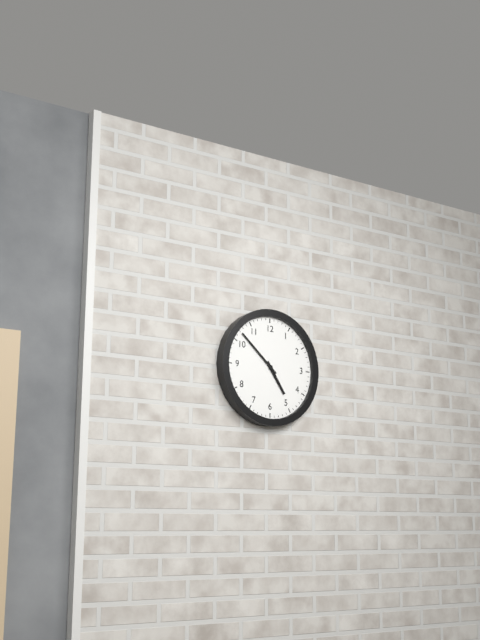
4h52
